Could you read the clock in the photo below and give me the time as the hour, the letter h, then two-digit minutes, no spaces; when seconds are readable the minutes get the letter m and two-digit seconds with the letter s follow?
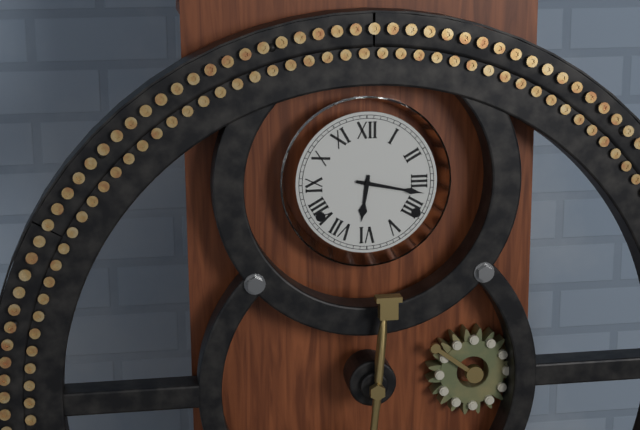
6h17
